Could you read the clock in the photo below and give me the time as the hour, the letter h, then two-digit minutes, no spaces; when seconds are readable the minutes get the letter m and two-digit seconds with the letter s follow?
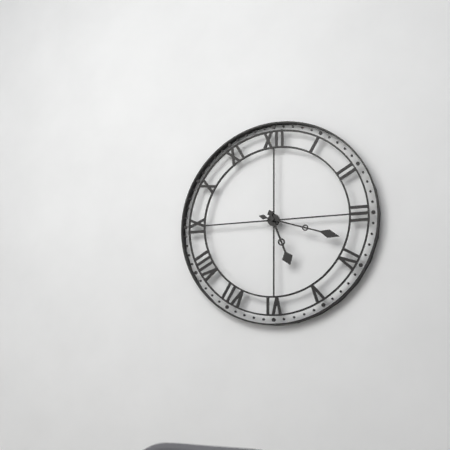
5h18
